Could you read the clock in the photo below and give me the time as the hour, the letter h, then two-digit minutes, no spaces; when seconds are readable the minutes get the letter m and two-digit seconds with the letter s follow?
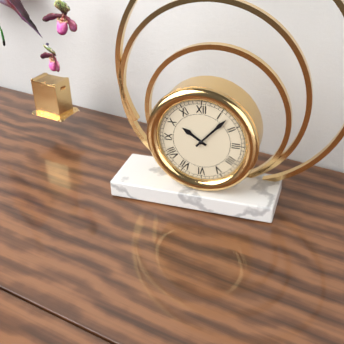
10h07
